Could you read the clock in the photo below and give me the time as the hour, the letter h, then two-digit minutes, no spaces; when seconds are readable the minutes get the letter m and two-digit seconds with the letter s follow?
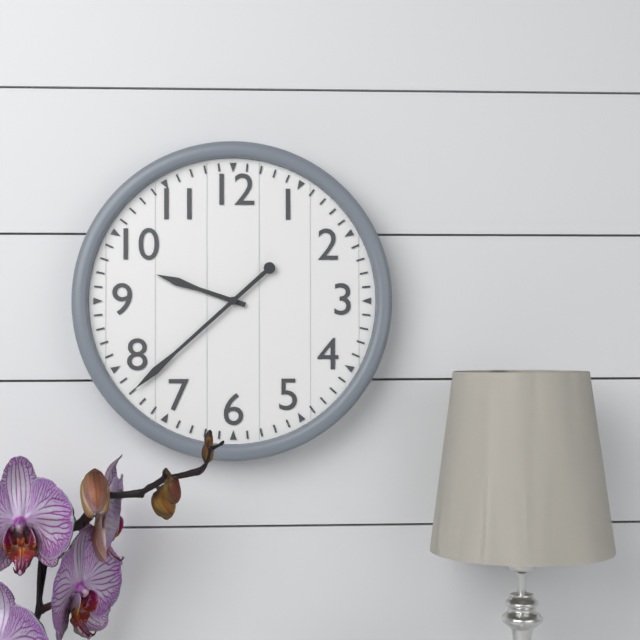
9h38
